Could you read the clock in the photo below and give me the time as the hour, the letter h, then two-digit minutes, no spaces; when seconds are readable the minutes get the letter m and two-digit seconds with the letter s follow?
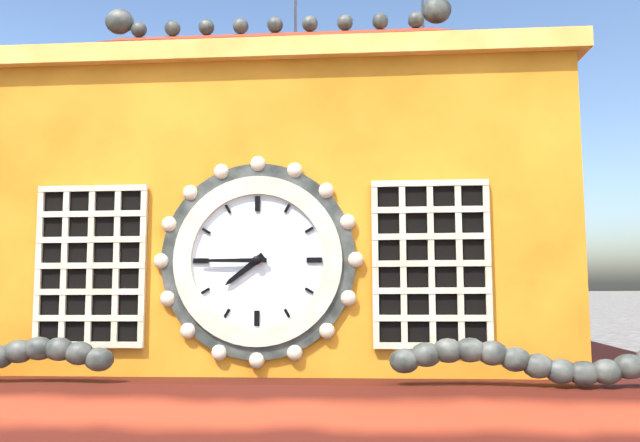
7h45
